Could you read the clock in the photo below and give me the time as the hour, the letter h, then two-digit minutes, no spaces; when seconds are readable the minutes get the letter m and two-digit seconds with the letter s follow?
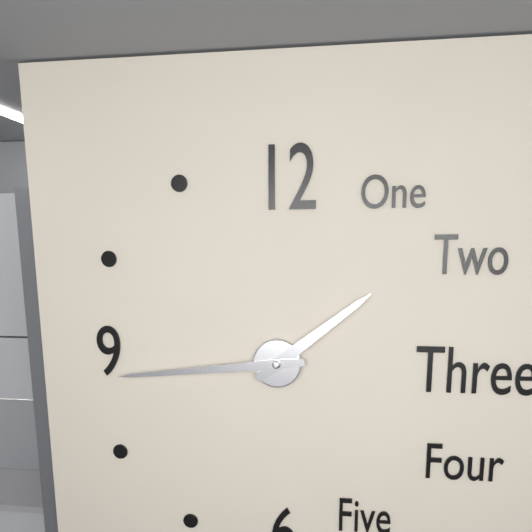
1h44
